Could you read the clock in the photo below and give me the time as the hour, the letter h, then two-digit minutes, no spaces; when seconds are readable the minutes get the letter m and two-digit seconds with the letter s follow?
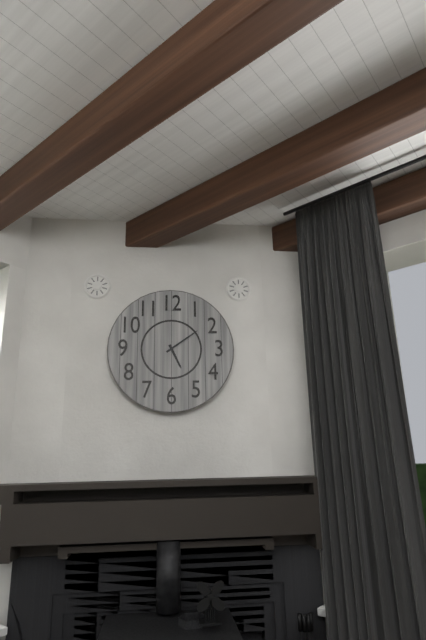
5h09
